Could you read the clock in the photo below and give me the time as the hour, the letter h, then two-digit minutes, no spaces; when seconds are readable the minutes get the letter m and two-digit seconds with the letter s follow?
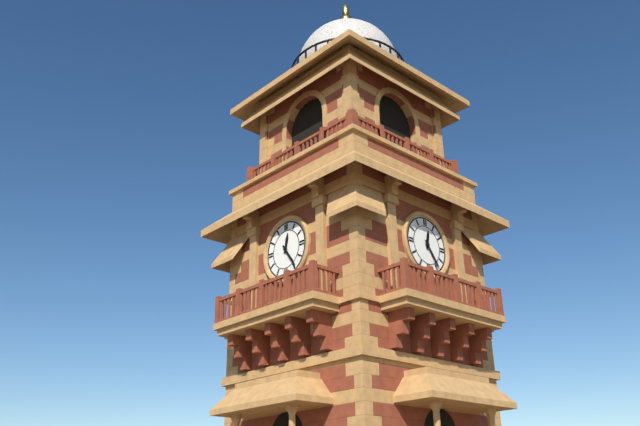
12h24
